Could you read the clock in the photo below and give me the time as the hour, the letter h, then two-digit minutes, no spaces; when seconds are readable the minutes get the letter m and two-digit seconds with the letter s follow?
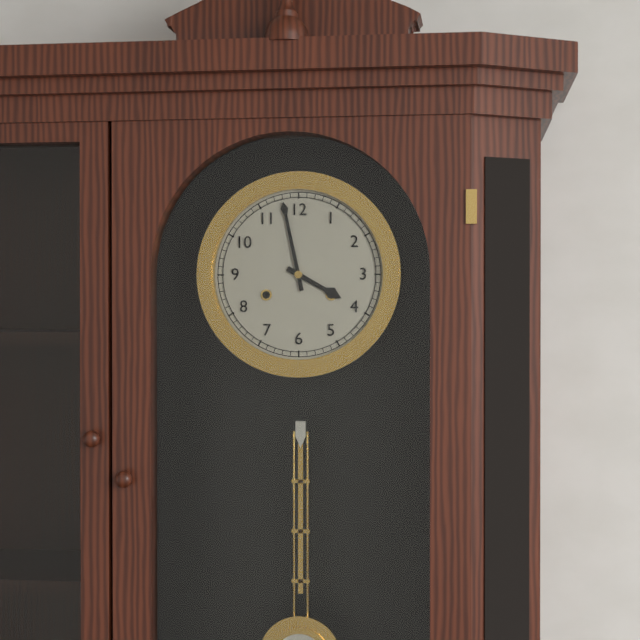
3h58
